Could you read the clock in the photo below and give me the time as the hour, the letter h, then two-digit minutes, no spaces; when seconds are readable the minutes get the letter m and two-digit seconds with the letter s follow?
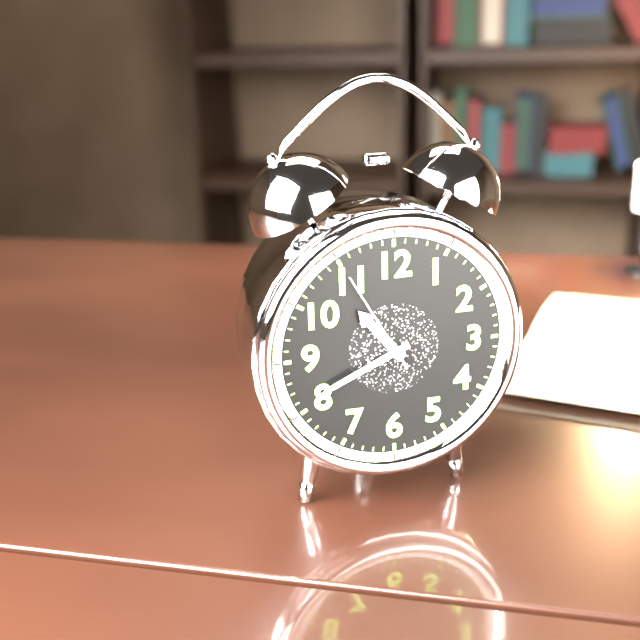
10h41m55s
